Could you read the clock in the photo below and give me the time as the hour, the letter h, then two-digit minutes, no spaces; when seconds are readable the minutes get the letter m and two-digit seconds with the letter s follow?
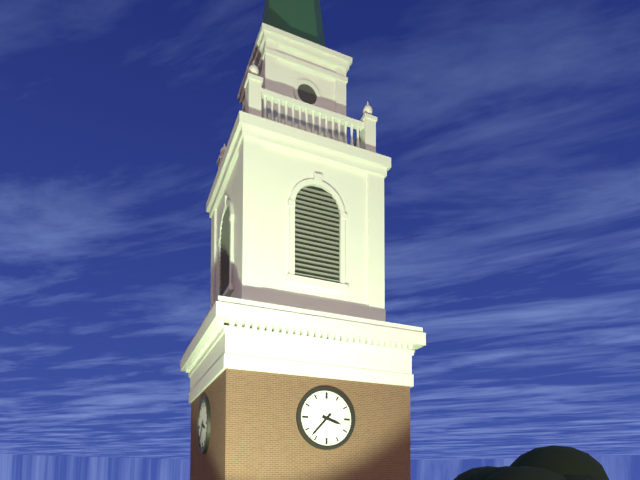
3h37
